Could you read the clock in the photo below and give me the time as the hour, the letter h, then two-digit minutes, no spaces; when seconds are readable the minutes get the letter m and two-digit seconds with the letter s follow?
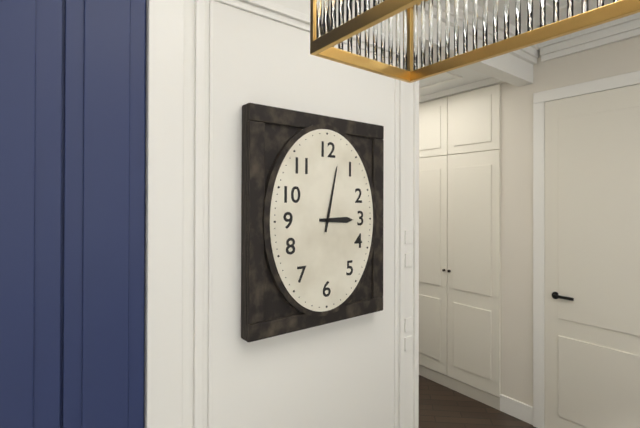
3h02
